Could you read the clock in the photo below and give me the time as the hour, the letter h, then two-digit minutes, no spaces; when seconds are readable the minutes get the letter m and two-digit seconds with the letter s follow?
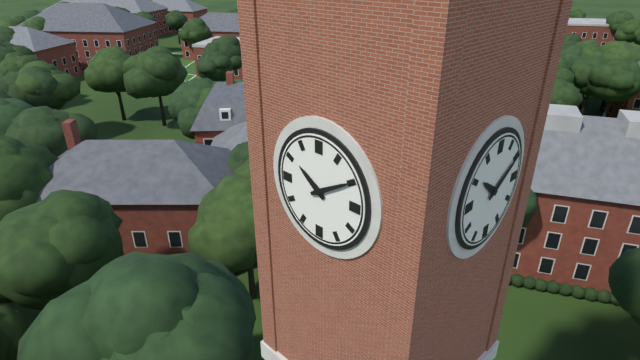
10h10
